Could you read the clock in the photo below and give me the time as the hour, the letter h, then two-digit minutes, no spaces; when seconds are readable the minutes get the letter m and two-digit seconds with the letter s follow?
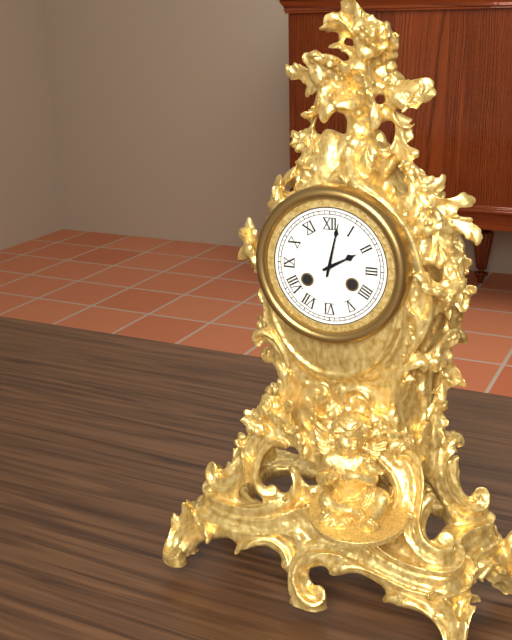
2h02
